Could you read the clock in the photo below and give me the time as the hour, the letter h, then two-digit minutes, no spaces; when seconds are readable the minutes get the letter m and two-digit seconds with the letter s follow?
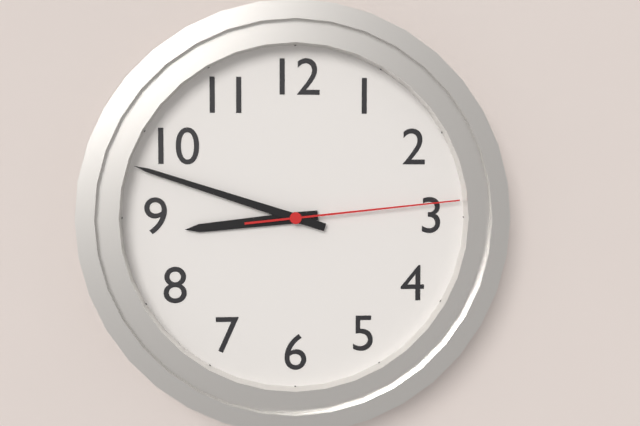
8h48m14s
